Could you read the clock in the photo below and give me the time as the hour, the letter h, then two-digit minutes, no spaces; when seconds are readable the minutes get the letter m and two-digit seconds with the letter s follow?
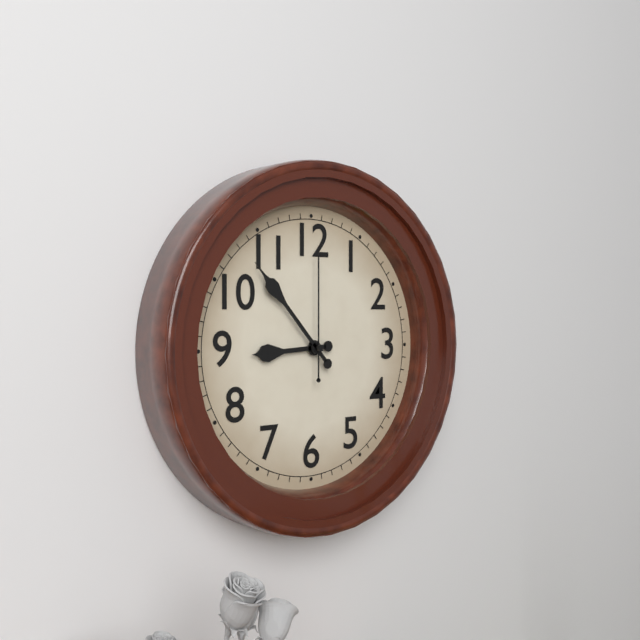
8h53m00s
